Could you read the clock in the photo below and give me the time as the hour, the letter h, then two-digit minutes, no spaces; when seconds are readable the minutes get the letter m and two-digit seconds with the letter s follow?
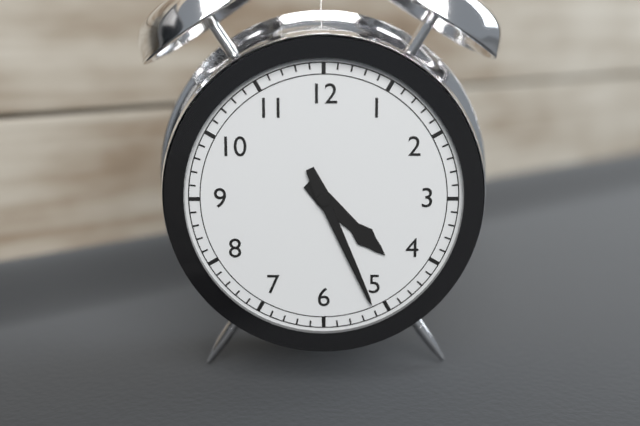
4h26
